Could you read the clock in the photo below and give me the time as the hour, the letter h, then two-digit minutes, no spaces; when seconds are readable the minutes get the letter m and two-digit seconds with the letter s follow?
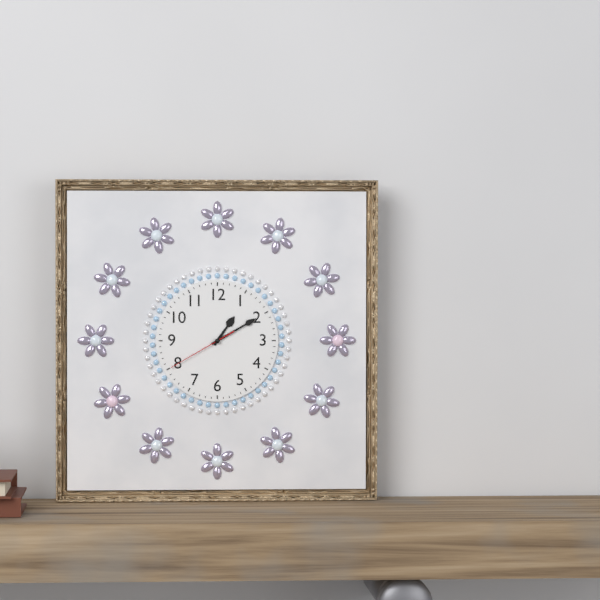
1h10m40s
